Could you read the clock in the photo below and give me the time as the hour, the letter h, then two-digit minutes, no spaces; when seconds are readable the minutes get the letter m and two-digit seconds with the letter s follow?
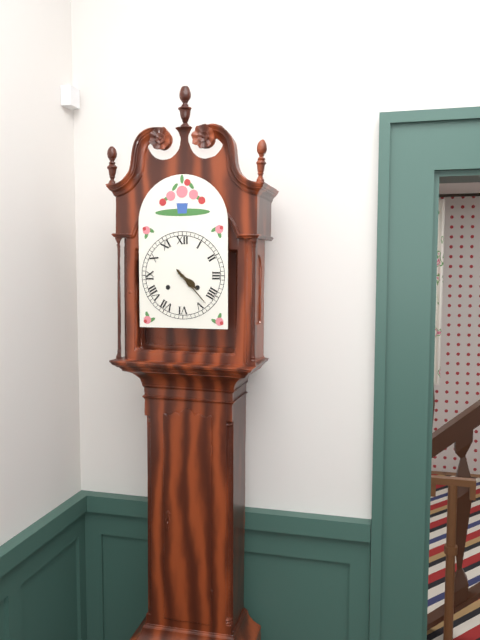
4h23
